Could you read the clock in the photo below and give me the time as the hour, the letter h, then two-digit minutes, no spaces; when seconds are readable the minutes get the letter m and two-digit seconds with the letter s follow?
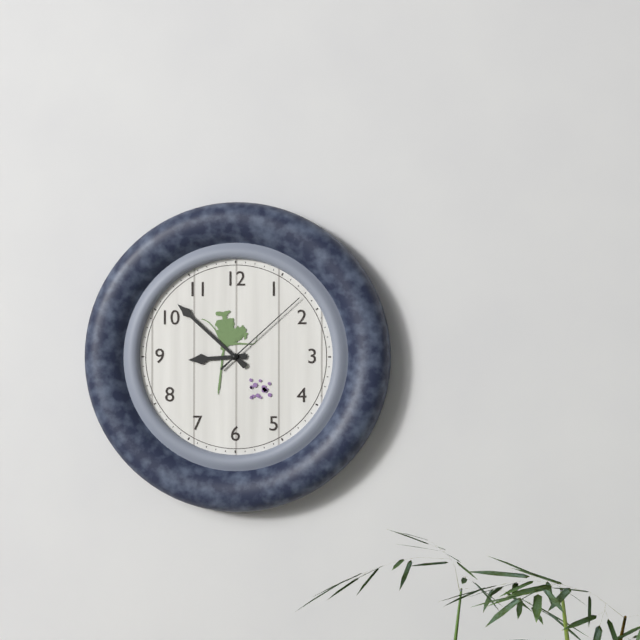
8h52m08s
